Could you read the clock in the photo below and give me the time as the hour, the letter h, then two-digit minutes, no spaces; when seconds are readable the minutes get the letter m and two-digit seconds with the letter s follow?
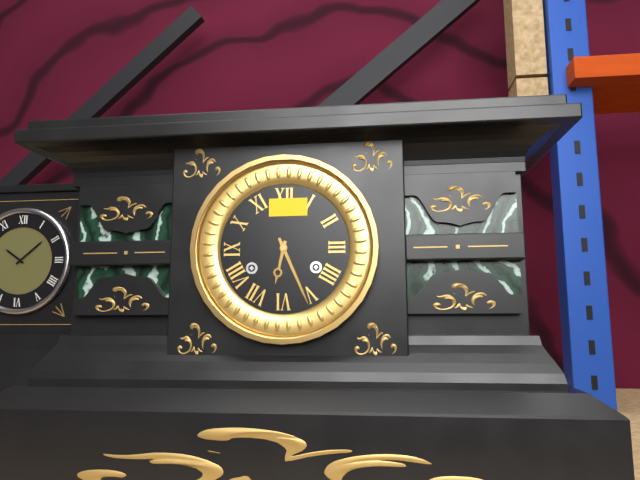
6h26
